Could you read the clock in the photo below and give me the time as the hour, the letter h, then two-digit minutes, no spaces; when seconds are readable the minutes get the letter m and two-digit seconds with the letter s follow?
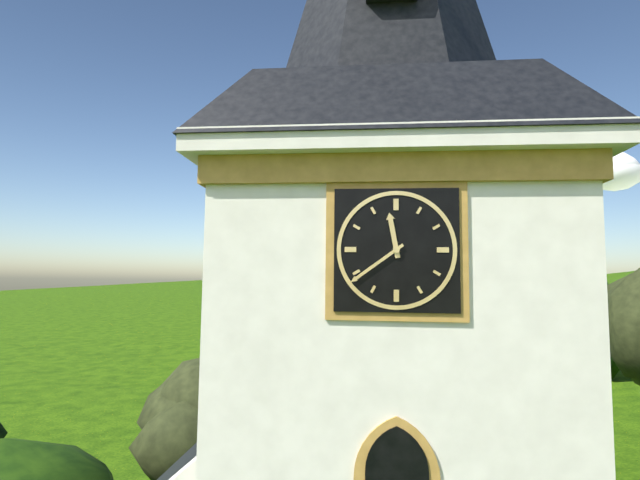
11h39
